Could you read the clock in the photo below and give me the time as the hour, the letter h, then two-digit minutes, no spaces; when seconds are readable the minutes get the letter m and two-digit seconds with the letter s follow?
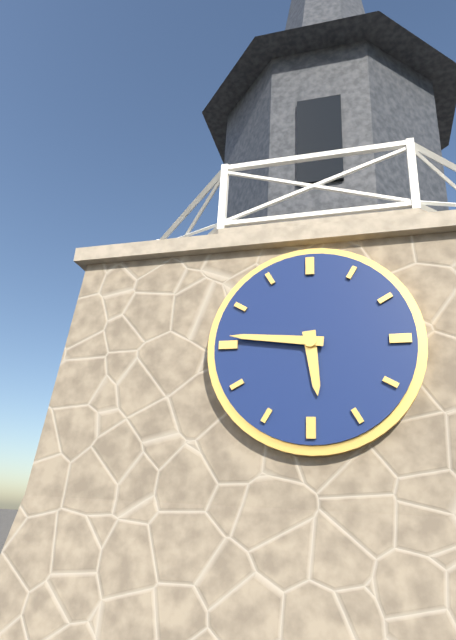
5h46
